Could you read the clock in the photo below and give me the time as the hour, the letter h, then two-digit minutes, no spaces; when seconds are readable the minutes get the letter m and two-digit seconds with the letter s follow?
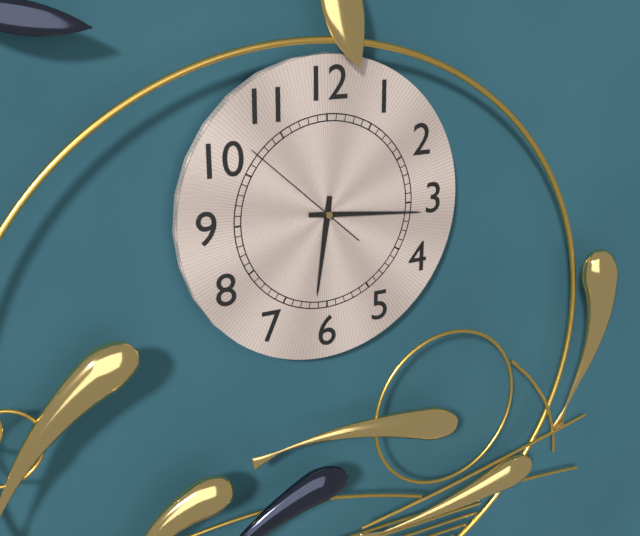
6h16m52s
